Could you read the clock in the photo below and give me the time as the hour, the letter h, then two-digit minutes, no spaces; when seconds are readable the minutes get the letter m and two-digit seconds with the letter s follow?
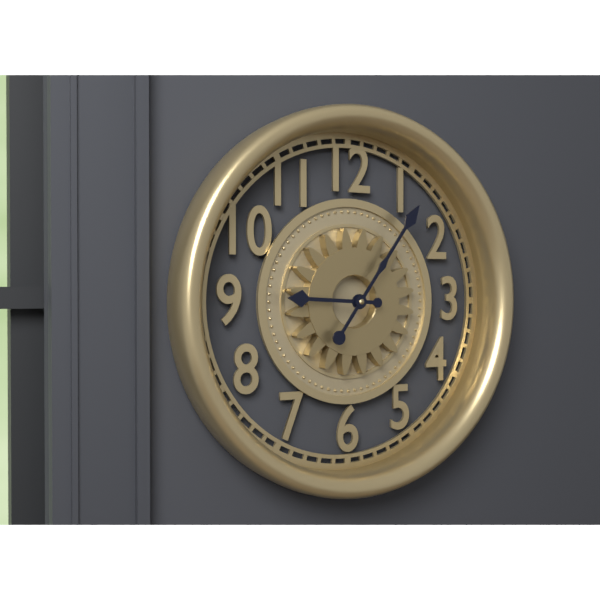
9h06
